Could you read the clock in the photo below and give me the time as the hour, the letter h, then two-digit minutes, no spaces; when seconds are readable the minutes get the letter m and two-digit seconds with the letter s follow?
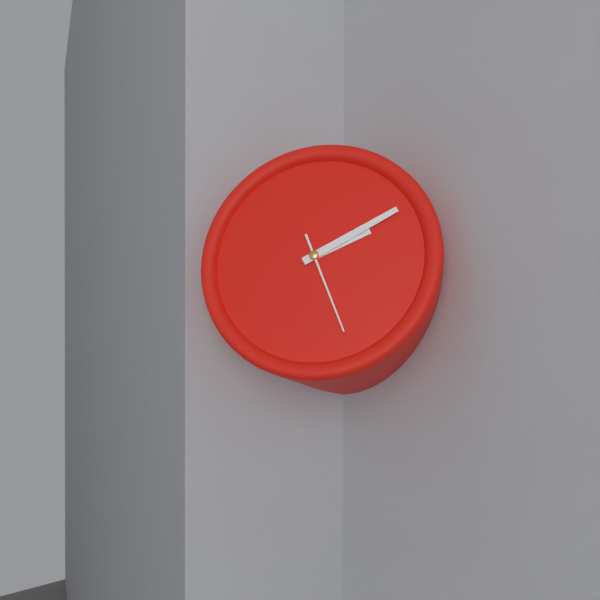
2h10m26s
